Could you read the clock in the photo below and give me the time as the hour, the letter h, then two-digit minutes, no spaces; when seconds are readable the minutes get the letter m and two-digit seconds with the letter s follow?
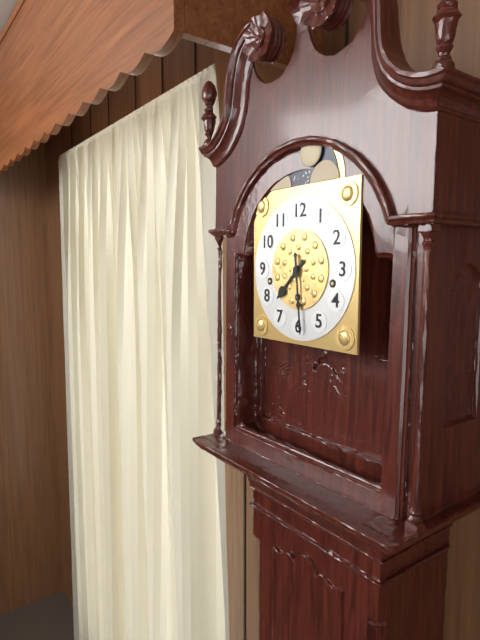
7h29
